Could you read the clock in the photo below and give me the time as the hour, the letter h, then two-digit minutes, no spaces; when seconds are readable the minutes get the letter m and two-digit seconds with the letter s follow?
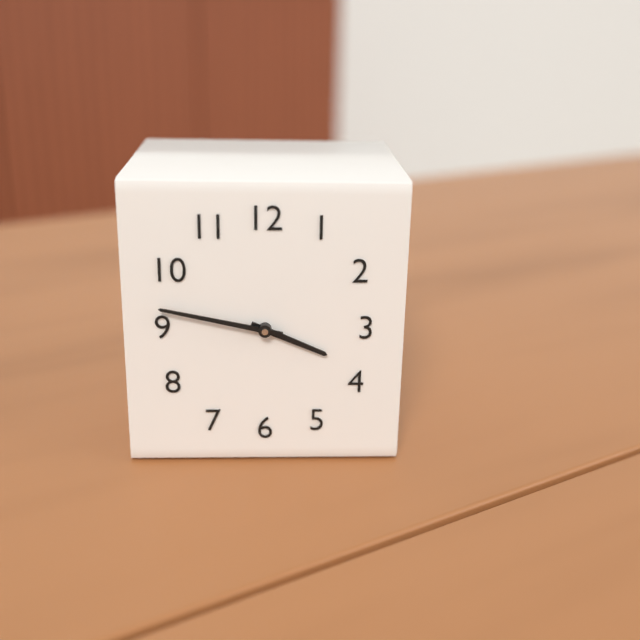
3h47
